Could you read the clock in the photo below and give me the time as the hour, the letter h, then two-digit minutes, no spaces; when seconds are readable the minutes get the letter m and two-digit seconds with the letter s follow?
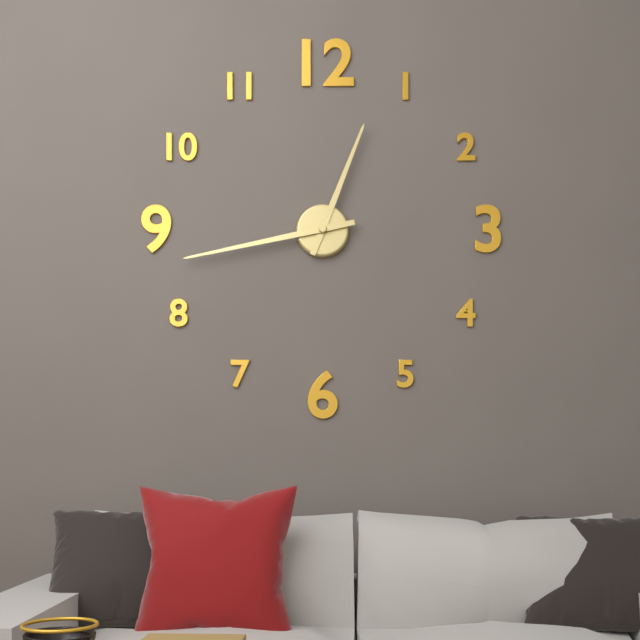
12h43
